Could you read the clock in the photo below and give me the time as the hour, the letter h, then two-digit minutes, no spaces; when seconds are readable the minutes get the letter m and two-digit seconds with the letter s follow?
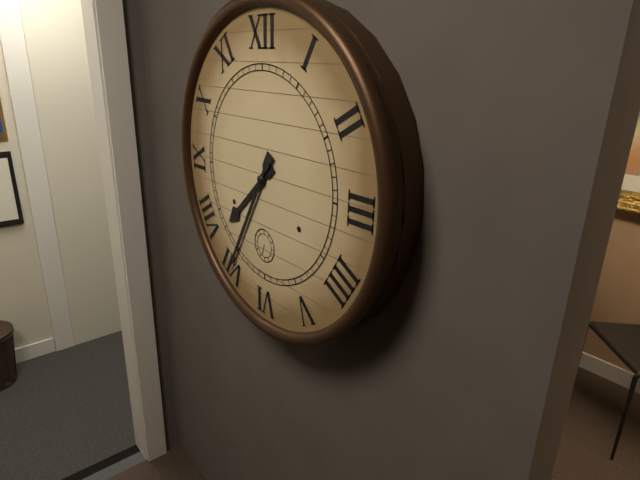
7h35
